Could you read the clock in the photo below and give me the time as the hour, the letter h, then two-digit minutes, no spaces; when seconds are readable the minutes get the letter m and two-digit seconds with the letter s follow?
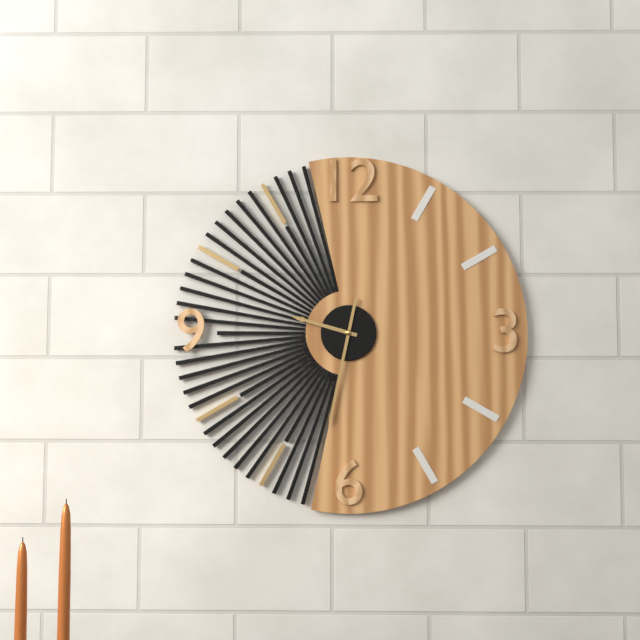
9h32
